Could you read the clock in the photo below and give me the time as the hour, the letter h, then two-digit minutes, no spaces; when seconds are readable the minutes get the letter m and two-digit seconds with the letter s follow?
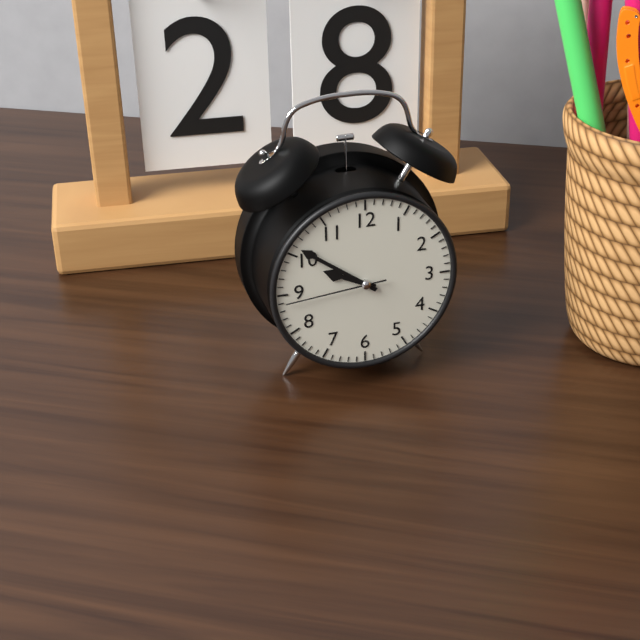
9h51m44s
